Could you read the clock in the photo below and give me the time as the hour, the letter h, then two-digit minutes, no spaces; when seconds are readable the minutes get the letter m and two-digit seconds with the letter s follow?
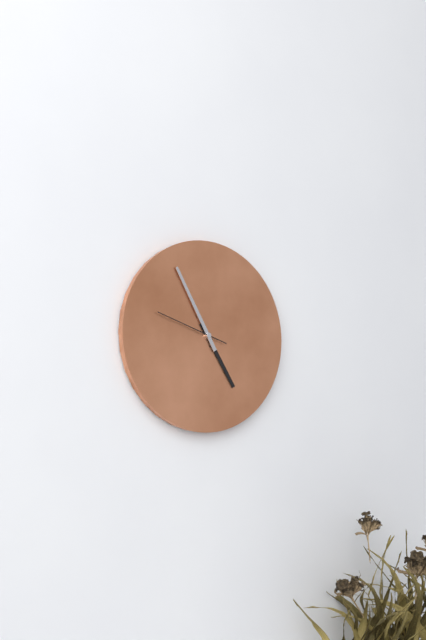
4h55m48s
